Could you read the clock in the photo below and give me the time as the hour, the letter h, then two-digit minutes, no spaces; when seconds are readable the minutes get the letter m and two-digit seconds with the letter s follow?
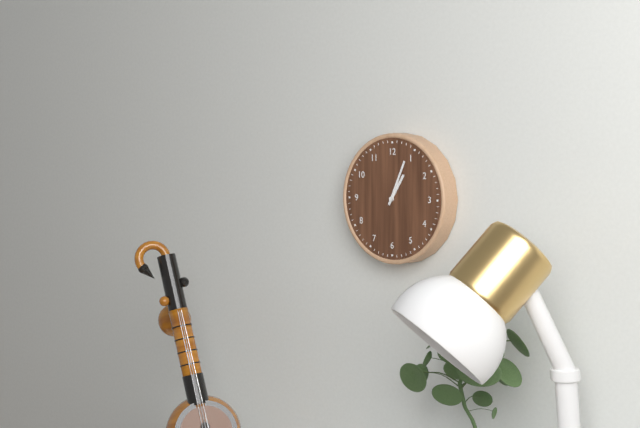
1h04
